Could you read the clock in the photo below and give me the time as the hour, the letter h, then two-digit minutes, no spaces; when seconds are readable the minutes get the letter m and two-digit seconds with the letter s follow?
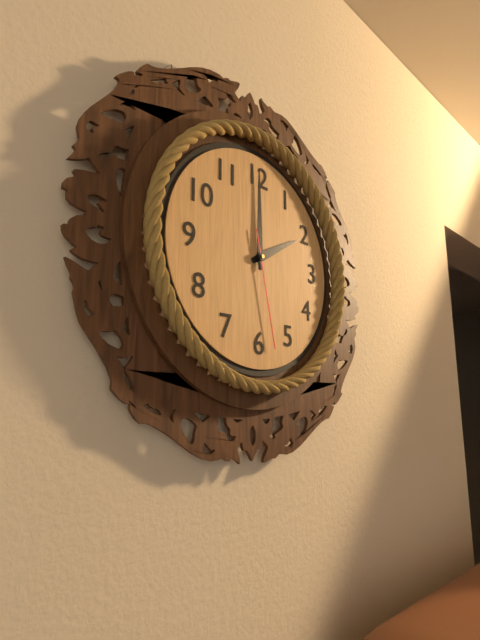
2h00m28s
